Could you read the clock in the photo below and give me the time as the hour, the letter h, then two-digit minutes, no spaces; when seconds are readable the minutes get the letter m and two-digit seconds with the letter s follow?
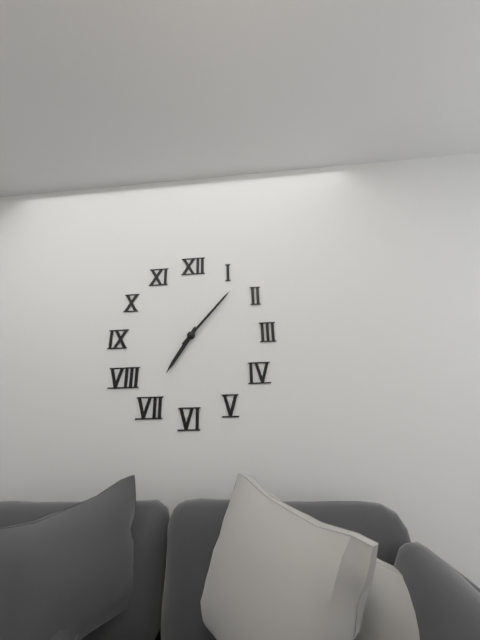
7h07
